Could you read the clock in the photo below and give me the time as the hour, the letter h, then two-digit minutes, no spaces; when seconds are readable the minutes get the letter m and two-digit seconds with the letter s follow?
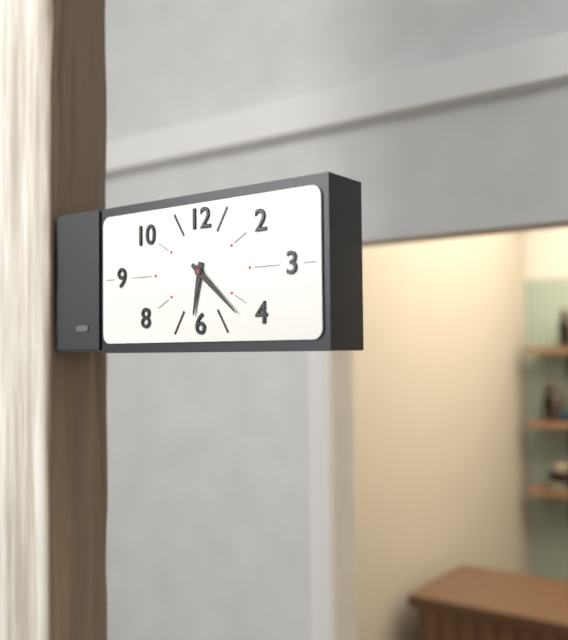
6h22
